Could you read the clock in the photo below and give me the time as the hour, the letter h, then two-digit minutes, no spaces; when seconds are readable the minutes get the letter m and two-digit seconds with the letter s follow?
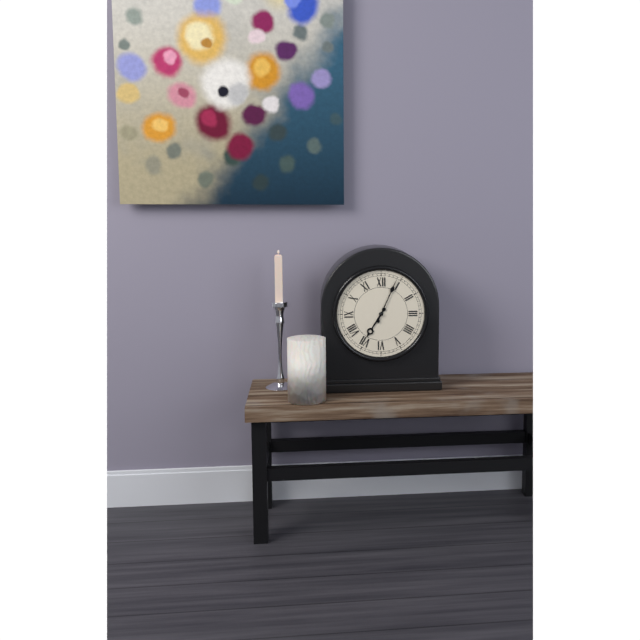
7h04
